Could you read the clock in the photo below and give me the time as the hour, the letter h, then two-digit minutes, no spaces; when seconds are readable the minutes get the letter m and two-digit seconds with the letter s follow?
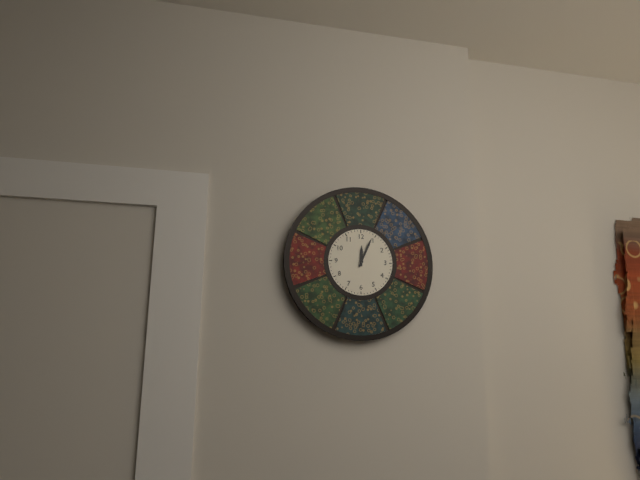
12h04
